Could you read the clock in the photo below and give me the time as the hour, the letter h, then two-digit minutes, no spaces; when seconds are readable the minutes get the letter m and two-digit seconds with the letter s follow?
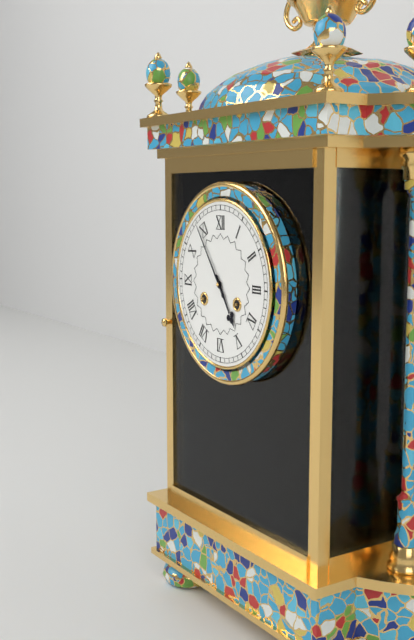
4h54
